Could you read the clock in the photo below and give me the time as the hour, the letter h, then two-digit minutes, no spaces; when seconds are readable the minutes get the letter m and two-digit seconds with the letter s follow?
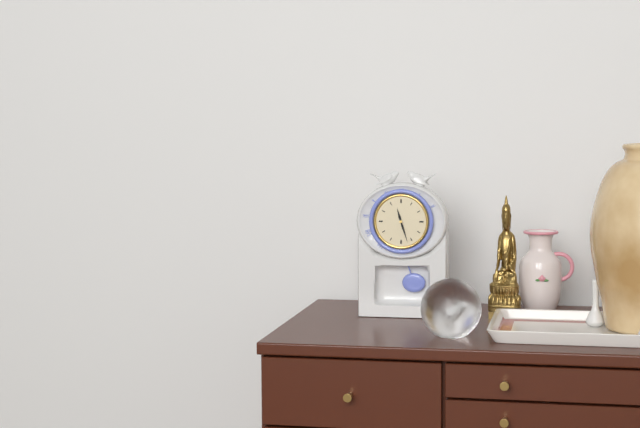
11h27
